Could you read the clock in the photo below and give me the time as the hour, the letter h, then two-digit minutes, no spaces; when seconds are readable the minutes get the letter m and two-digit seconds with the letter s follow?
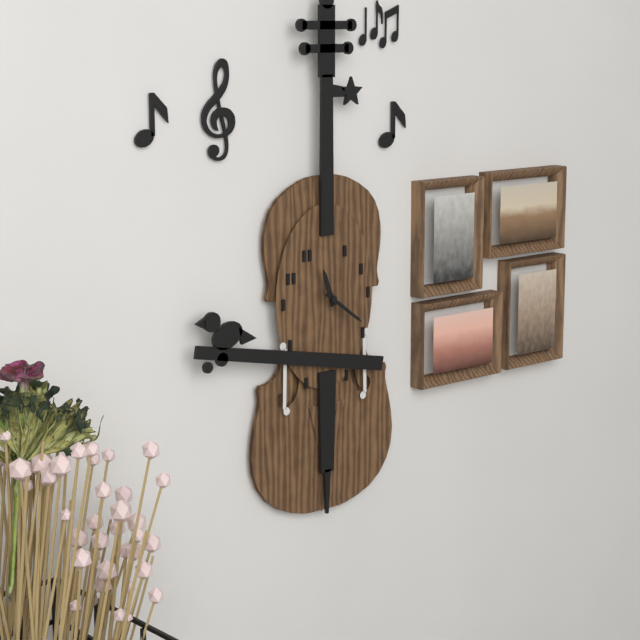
11h21
